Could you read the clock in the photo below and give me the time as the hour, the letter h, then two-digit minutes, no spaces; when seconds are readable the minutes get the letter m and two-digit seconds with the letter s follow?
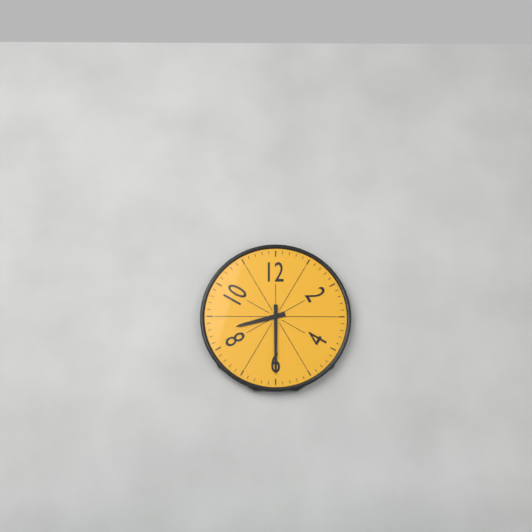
8h30
